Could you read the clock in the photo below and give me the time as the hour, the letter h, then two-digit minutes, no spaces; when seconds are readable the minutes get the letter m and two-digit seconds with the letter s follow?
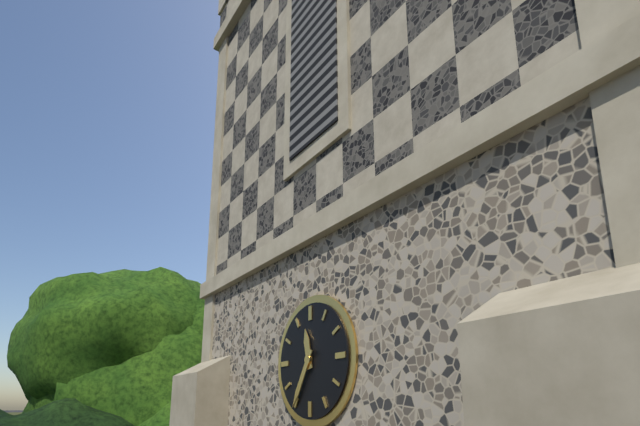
11h35
